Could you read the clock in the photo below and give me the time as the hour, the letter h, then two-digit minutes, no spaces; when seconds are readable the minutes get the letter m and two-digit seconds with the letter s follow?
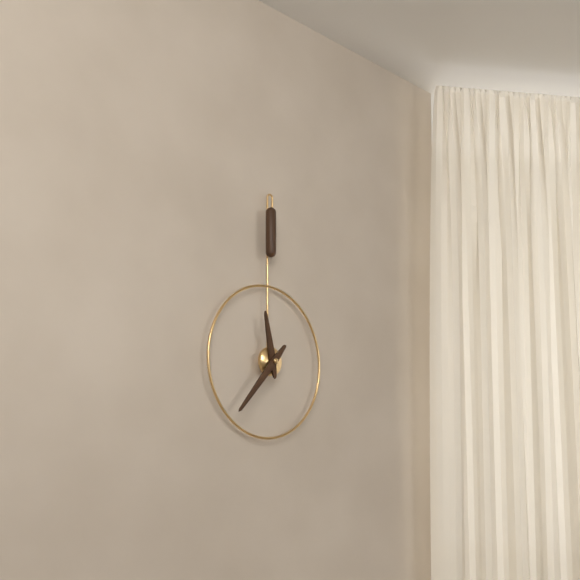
11h37
